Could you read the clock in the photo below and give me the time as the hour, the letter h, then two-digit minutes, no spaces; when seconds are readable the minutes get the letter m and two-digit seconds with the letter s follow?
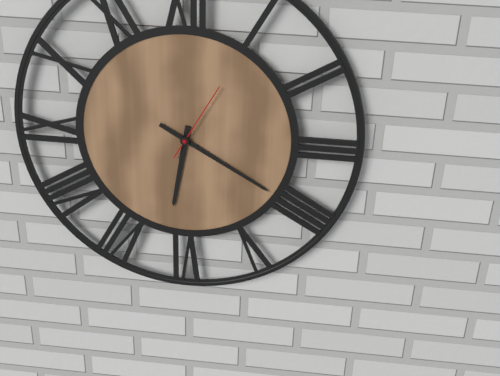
6h20m05s
